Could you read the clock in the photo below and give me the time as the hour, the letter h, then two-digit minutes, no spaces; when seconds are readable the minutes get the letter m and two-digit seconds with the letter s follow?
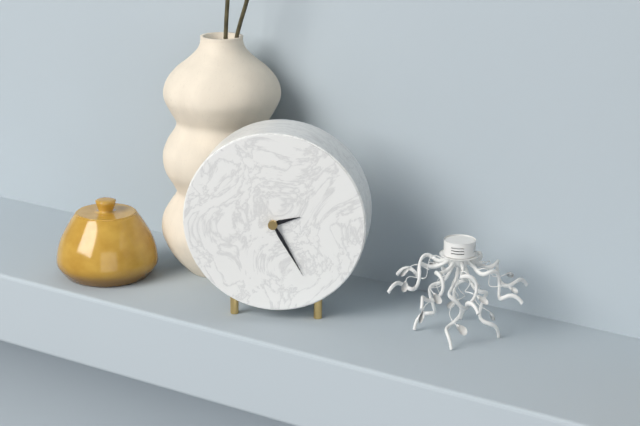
2h25
